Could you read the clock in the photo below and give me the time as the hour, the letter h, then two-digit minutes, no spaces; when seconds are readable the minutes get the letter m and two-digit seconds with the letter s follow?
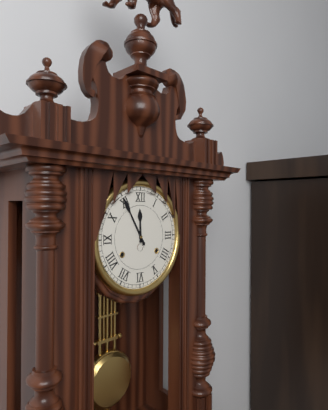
11h55
